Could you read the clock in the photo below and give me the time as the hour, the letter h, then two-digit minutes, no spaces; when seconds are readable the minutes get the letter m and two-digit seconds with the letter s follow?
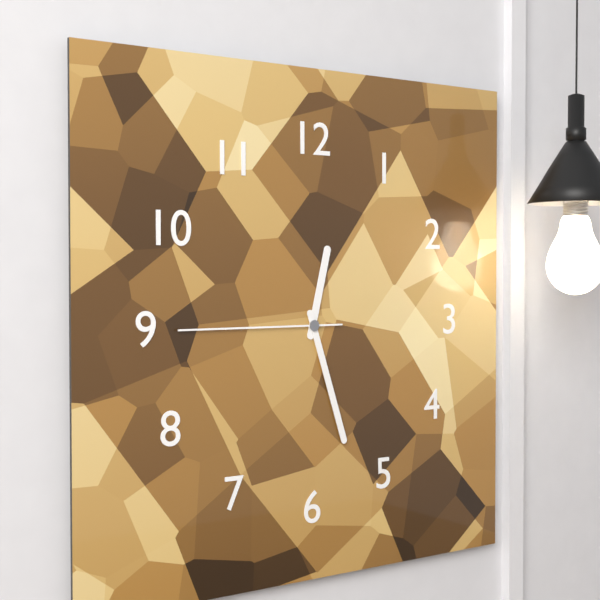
12h27m45s
